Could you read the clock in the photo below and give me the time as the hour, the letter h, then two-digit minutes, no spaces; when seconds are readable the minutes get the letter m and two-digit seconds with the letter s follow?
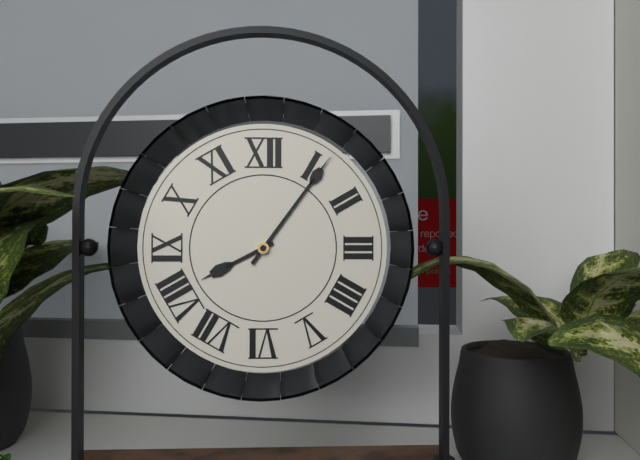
8h06
